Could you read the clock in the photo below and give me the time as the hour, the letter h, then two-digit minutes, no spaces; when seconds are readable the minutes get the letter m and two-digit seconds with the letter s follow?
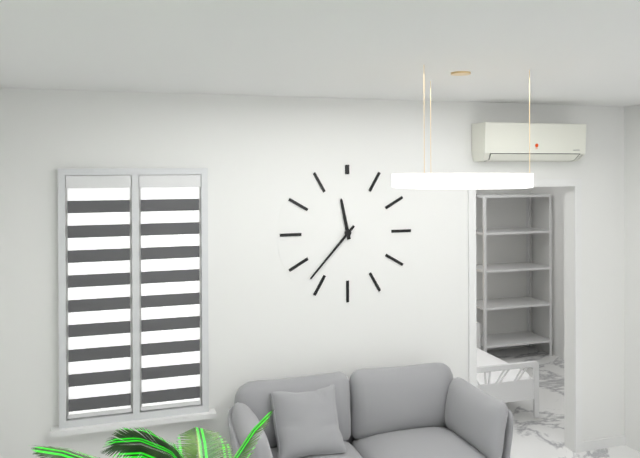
11h37
